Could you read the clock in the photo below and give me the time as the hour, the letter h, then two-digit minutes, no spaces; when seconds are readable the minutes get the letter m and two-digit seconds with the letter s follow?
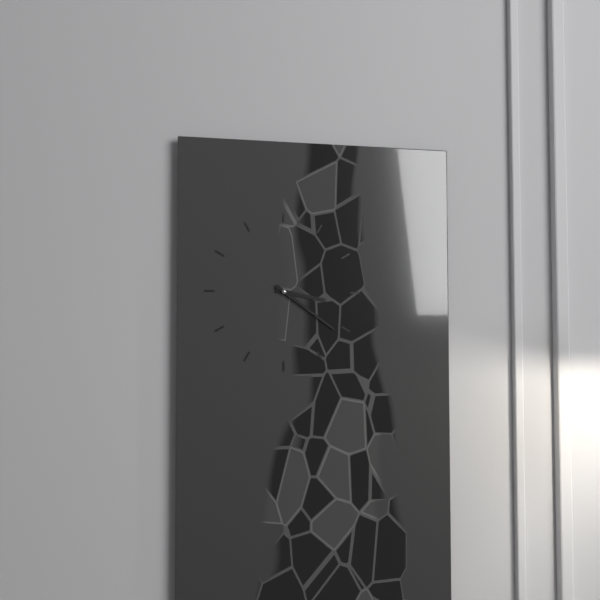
3h21
